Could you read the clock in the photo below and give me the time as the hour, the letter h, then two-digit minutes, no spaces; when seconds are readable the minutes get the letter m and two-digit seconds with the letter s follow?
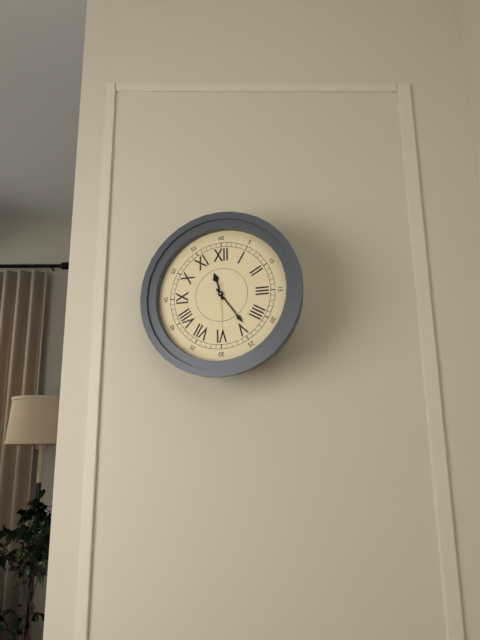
11h24m30s
